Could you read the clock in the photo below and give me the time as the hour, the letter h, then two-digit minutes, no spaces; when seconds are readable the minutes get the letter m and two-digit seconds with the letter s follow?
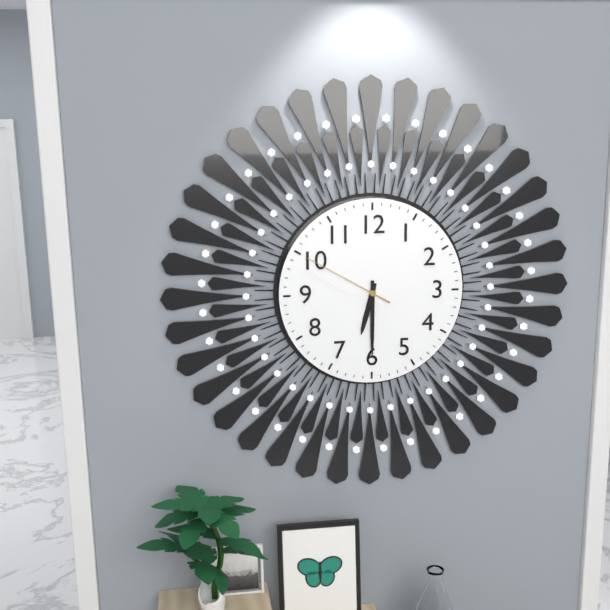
6h30m50s
